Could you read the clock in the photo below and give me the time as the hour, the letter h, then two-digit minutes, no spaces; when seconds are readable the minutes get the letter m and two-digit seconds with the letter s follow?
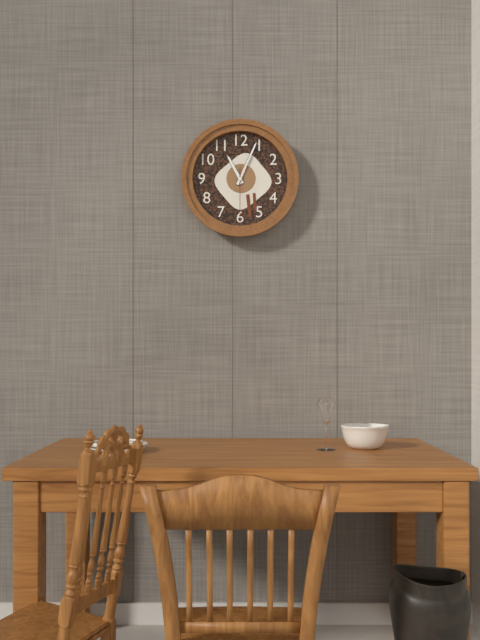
11h04m30s
